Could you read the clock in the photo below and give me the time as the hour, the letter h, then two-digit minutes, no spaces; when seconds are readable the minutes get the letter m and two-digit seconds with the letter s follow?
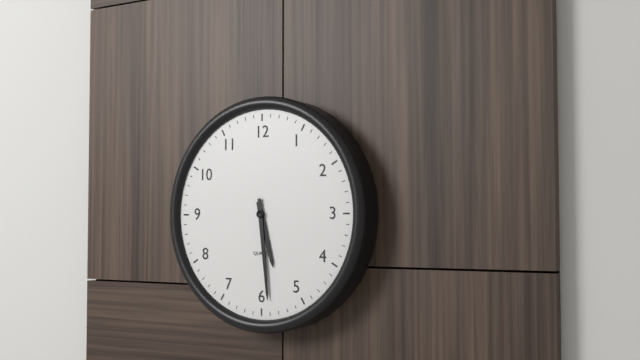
5h29
